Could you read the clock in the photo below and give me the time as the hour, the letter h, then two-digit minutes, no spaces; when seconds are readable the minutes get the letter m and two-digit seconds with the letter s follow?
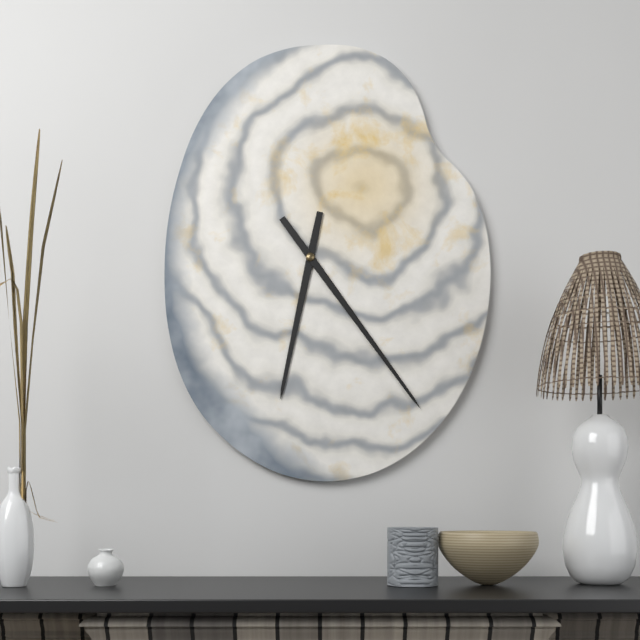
6h24
